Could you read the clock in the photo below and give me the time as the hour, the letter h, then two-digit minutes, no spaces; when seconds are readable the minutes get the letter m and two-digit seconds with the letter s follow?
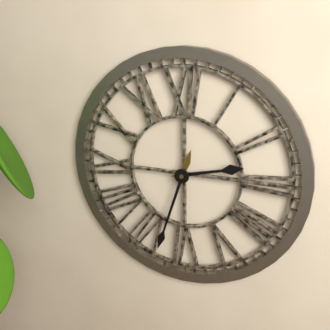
2h33
